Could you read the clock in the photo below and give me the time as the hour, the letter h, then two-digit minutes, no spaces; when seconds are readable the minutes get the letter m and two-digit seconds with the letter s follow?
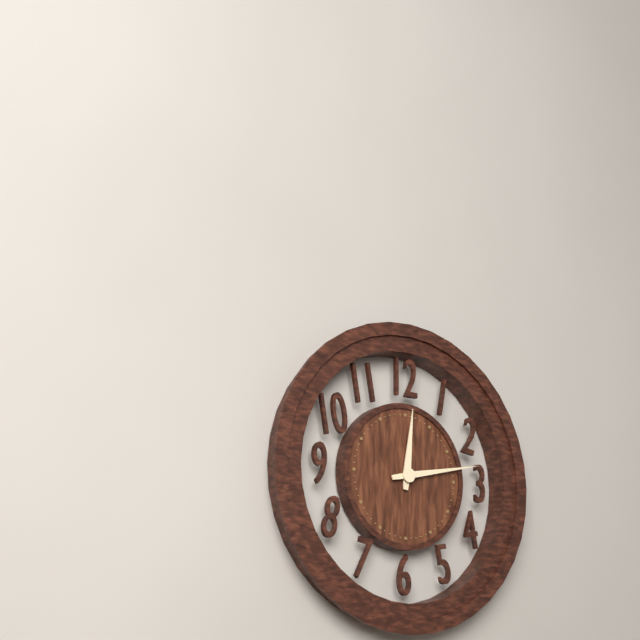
12h13
